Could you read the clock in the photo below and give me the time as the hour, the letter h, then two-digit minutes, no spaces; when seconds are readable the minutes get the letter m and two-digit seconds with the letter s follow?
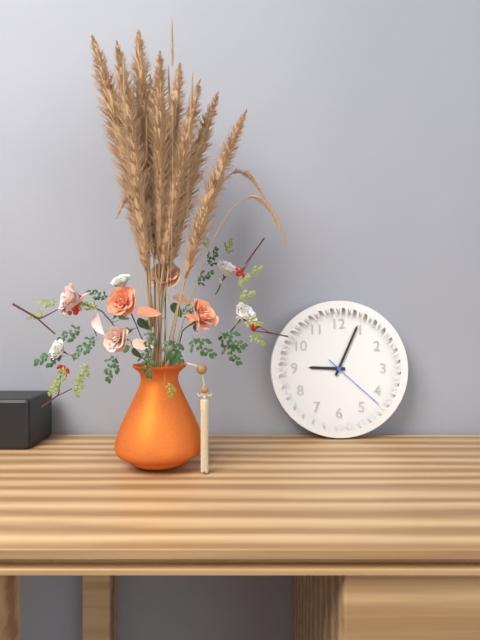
9h04m22s
